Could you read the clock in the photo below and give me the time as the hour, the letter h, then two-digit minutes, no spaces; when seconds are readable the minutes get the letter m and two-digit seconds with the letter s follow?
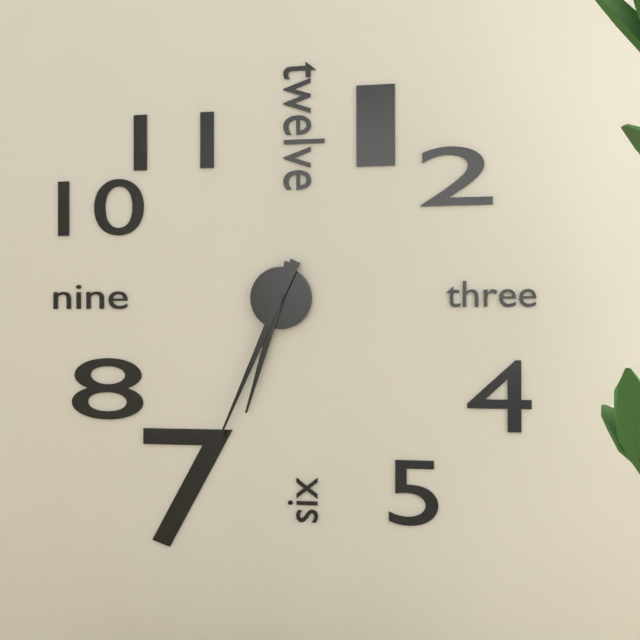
6h34
